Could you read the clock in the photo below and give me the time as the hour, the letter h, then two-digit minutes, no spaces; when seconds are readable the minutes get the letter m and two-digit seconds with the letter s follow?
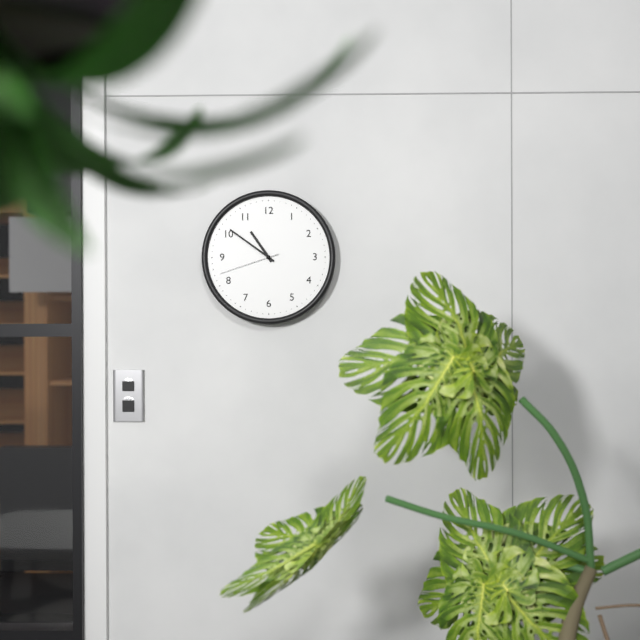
10h51m42s
